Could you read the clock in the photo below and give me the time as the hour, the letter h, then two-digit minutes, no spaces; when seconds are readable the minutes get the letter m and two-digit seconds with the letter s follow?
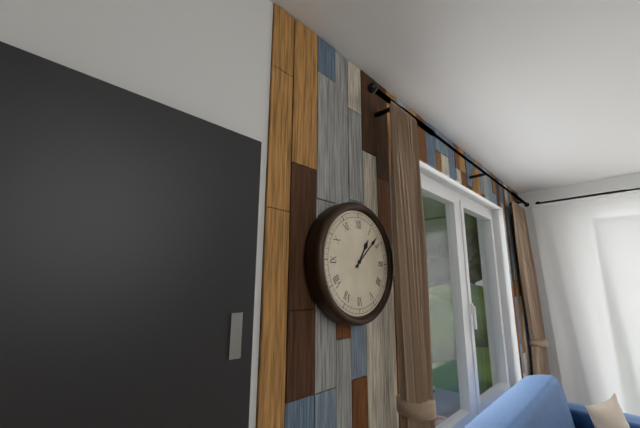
1h08
